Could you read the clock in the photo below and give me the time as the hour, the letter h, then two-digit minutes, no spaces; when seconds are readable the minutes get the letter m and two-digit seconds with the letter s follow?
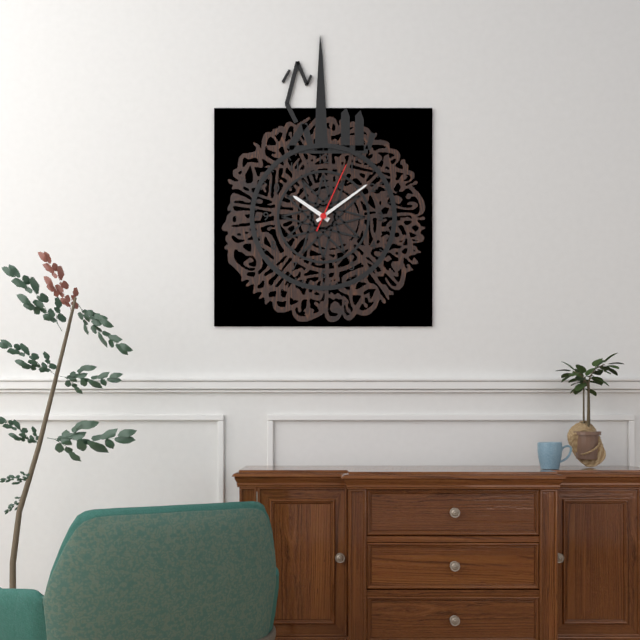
10h09m04s
